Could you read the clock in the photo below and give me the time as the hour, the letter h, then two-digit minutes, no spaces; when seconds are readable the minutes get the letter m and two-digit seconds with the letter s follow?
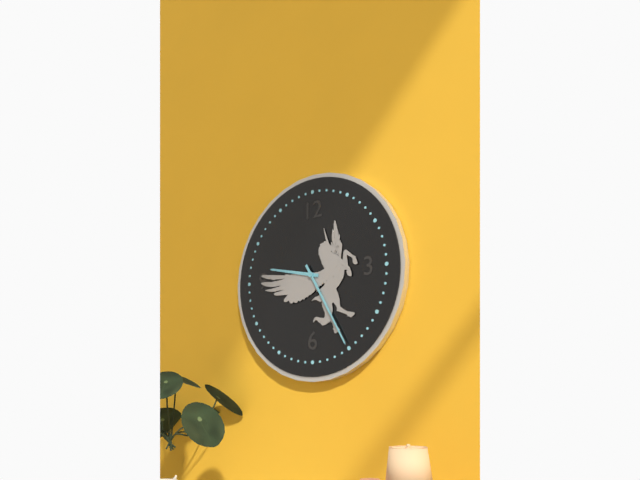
9h25
